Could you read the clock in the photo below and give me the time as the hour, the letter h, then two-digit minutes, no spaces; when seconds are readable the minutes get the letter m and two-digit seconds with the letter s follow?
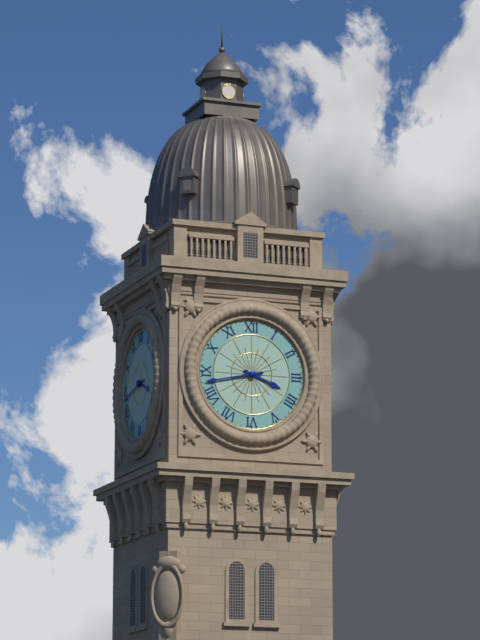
3h43
